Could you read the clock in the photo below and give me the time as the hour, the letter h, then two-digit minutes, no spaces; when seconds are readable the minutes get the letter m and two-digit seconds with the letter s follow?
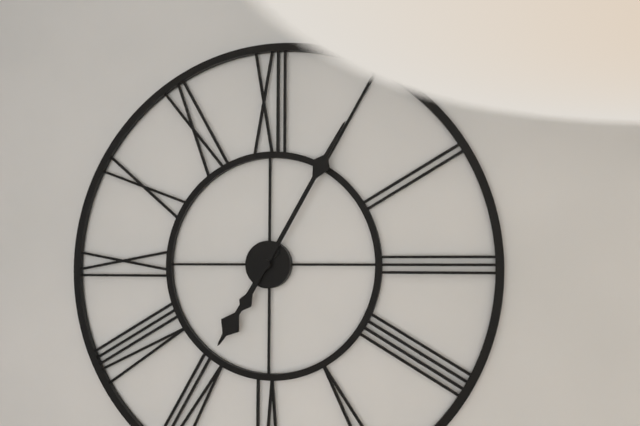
7h05
